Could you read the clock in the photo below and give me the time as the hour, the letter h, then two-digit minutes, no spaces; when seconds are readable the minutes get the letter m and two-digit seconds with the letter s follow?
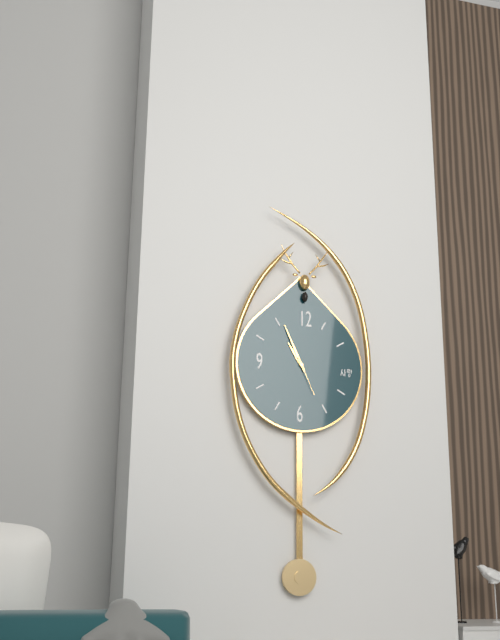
10h56
